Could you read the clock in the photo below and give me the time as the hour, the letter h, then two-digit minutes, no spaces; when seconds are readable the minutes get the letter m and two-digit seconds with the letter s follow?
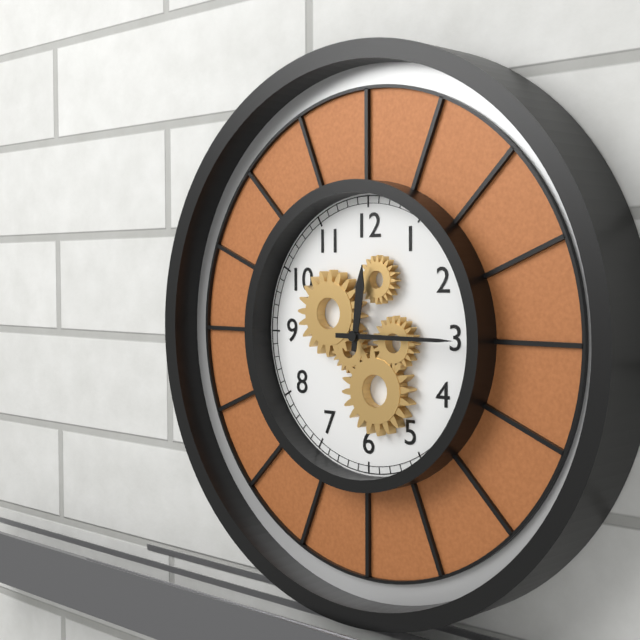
12h15
